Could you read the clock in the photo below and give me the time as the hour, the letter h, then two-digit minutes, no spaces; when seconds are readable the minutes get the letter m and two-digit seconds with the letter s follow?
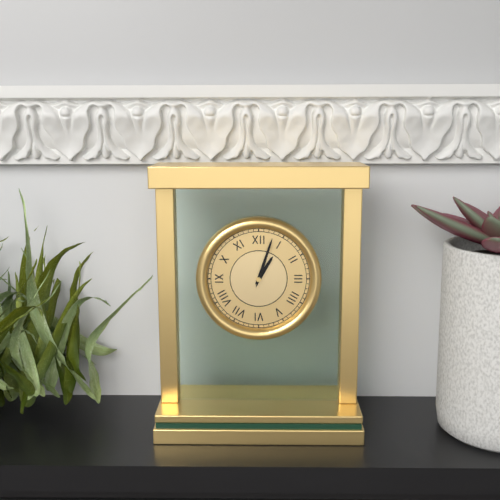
1h03
